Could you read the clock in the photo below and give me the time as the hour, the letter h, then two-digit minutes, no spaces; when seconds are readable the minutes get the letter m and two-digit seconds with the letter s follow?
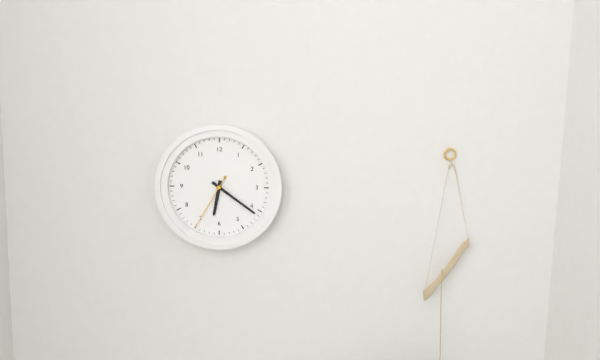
6h21m35s
